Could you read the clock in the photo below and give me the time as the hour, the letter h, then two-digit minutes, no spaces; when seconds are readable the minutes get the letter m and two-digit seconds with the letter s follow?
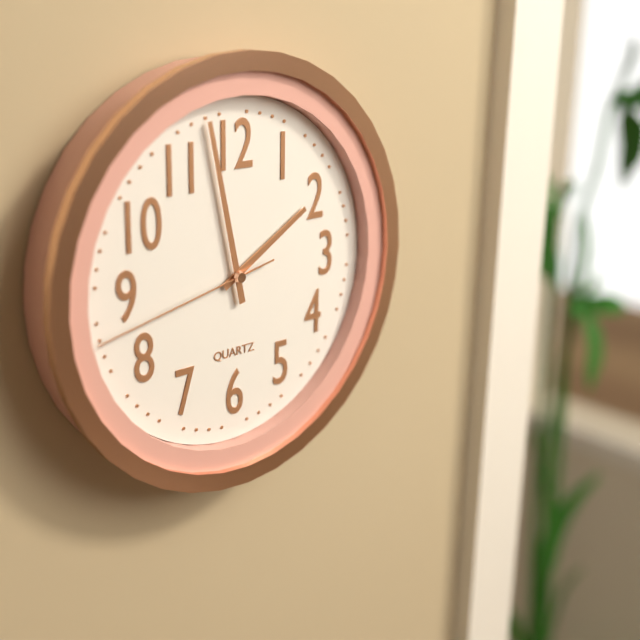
1h58m43s
